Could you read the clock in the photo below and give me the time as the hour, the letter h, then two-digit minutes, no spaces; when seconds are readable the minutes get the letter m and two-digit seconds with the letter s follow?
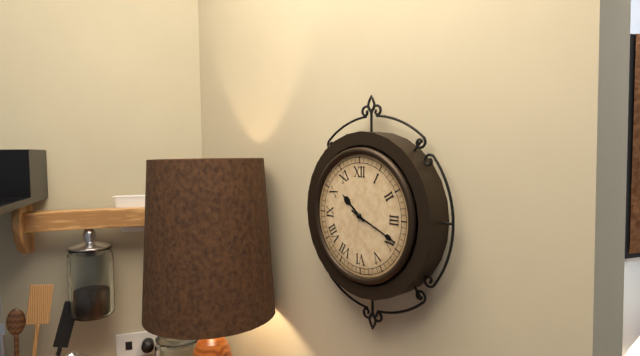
10h19
